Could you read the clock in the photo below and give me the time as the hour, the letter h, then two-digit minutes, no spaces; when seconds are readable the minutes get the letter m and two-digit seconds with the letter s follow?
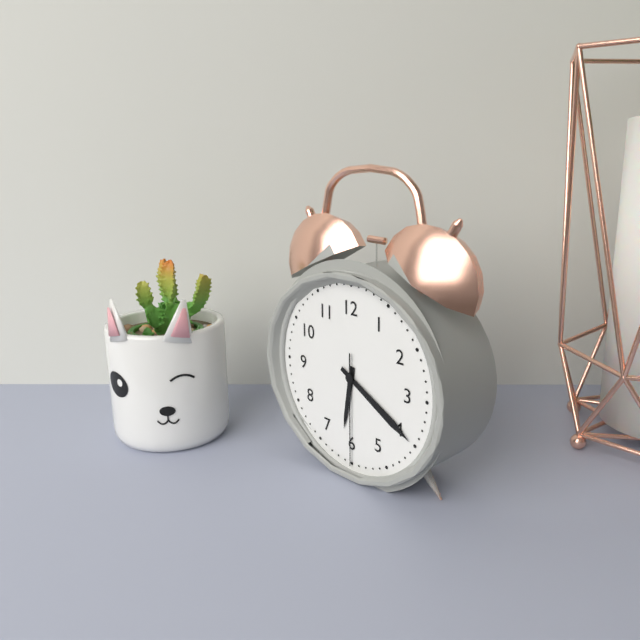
6h20m30s
